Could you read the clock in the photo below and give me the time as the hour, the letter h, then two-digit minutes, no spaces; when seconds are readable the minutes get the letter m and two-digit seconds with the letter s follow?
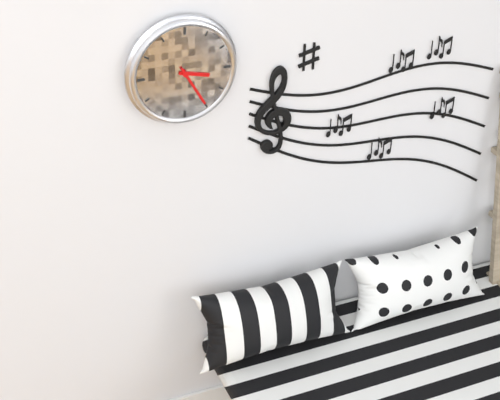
3h25
